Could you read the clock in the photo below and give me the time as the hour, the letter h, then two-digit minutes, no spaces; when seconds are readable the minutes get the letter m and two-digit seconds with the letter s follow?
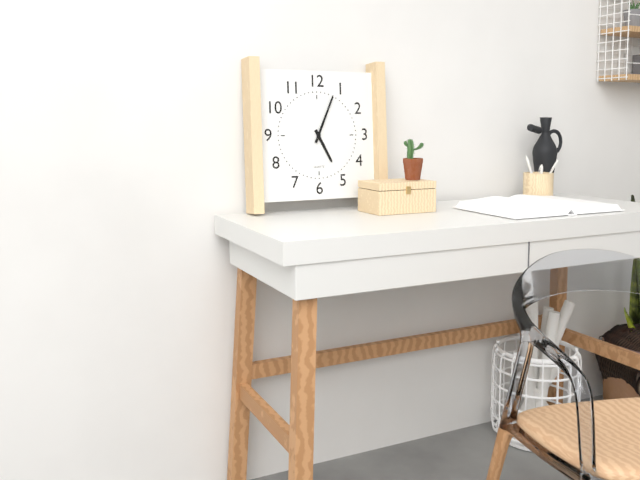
5h04
